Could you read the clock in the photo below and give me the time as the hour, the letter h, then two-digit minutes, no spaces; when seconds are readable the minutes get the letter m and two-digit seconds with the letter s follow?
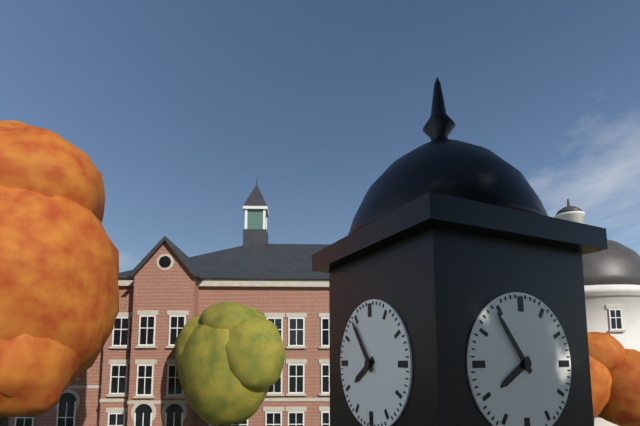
7h54
